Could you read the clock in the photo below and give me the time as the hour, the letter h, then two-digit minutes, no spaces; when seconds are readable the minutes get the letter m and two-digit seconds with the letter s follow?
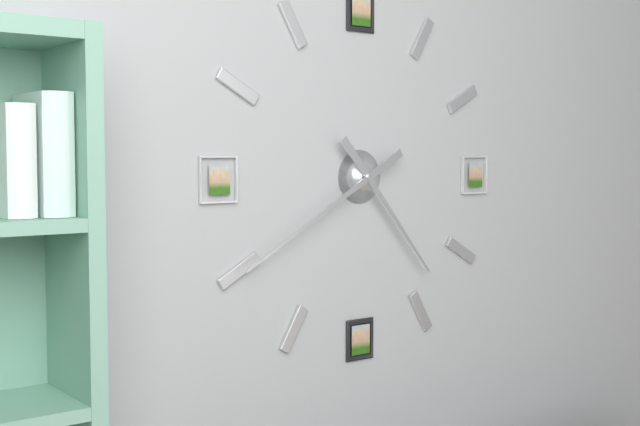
4h40
